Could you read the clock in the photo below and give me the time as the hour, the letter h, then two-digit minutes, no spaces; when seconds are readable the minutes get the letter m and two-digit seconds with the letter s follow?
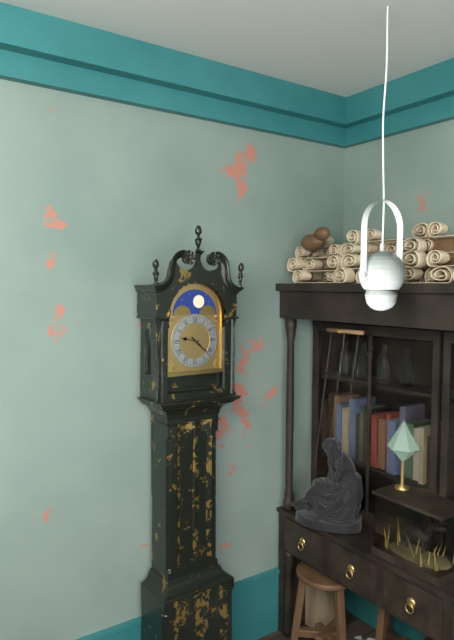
9h22
